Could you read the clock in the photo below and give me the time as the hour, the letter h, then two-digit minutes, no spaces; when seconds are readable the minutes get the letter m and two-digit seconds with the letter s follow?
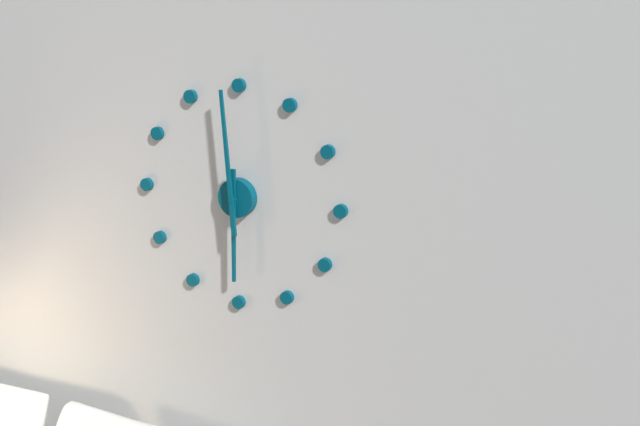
5h59
